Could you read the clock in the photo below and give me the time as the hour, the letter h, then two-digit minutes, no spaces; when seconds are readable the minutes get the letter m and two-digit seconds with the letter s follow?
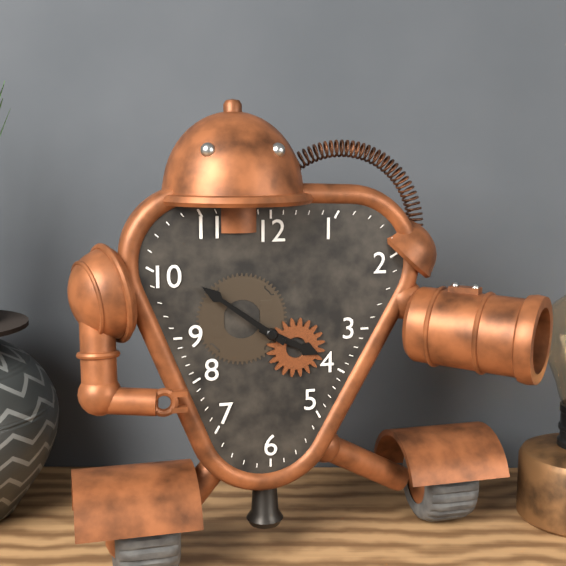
3h51
